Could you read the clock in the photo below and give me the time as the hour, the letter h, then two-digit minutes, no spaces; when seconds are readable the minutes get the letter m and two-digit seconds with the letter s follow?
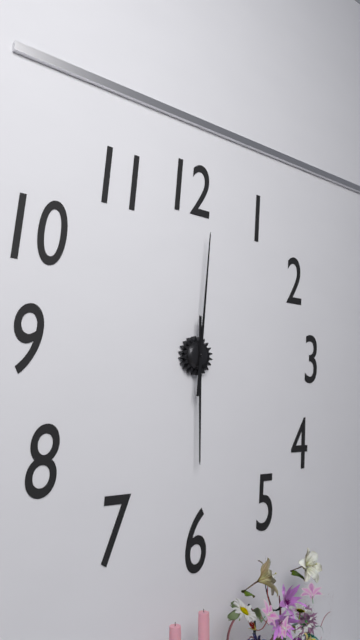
6h01
